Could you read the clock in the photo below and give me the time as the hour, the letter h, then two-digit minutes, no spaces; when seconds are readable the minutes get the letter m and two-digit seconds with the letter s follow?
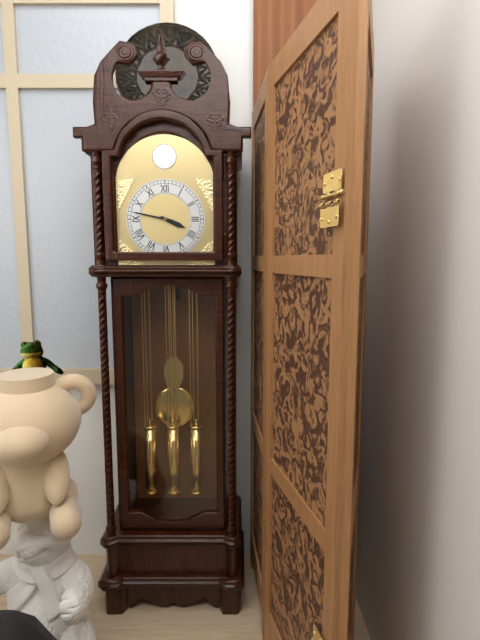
3h47
